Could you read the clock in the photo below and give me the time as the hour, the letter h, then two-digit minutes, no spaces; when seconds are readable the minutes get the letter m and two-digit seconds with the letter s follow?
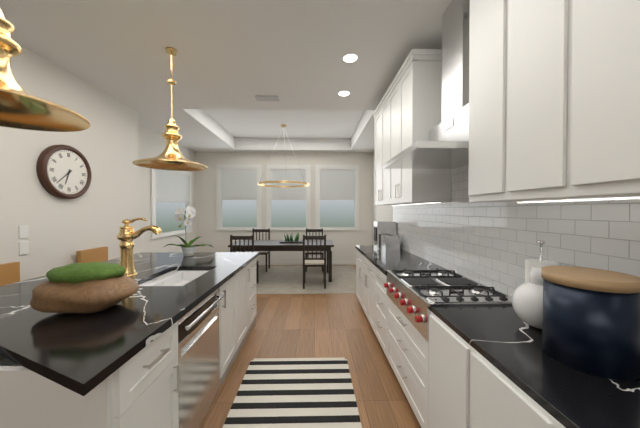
6h38
